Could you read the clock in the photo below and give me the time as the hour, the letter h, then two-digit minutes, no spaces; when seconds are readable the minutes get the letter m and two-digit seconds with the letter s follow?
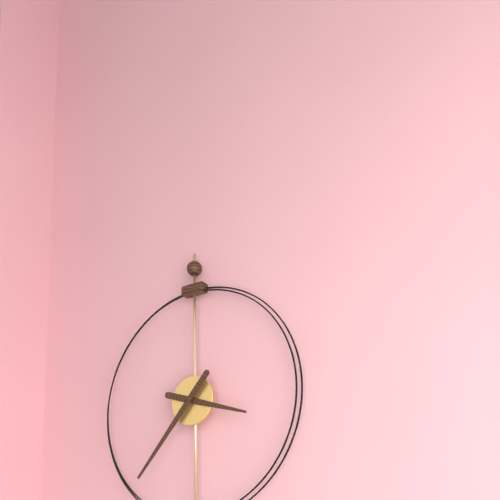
3h37
